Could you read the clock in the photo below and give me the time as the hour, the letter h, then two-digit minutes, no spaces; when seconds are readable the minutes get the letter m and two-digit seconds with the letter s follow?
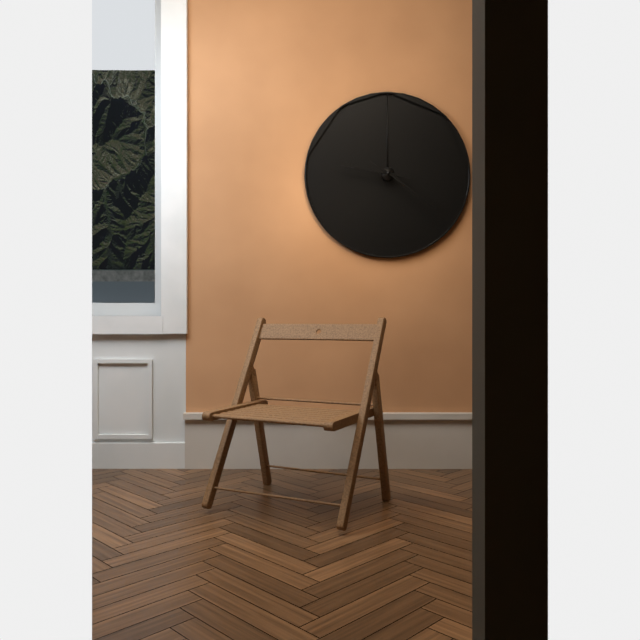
9h21
